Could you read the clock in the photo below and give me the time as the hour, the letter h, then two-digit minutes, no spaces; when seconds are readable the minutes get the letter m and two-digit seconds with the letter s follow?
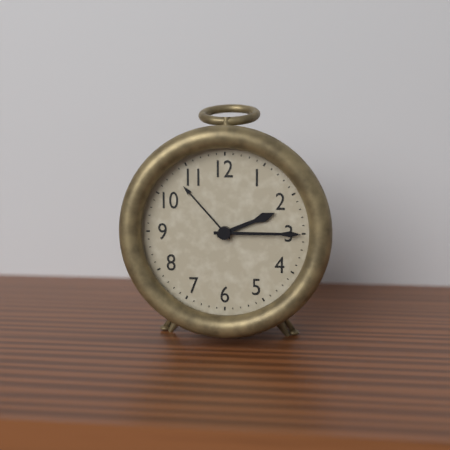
2h15
